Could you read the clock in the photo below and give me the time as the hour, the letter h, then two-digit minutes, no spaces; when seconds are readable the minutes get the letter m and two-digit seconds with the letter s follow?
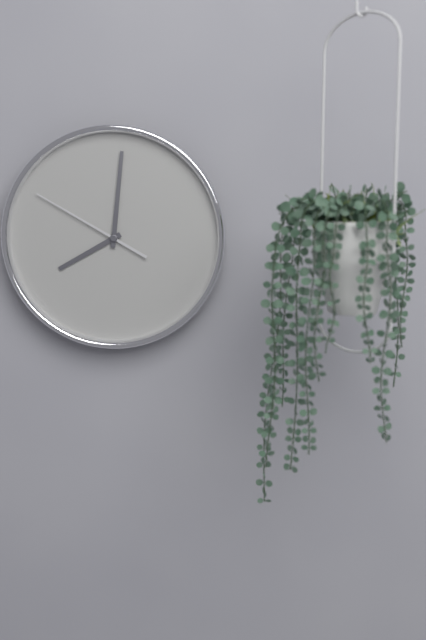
8h01m50s
